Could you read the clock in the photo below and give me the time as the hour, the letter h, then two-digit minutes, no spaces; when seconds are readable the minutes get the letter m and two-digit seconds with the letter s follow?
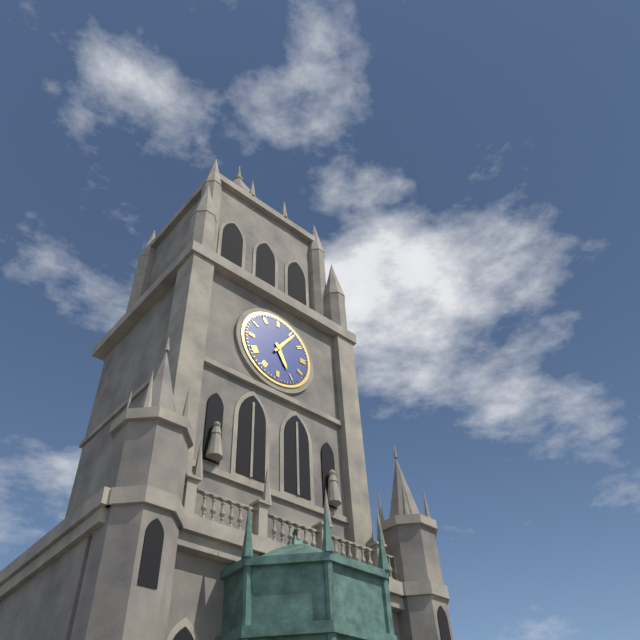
5h06
